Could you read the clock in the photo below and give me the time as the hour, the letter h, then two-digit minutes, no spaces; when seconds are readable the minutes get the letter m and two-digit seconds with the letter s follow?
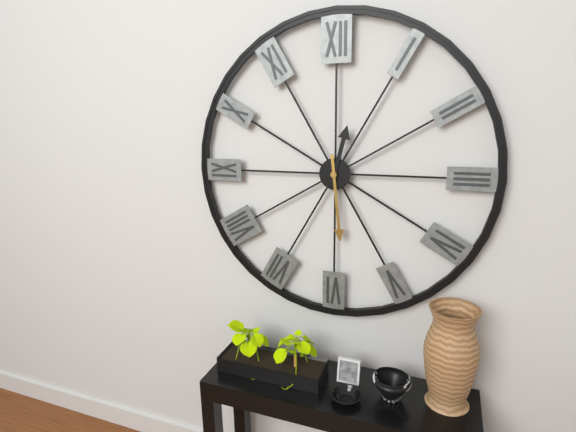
12h29
